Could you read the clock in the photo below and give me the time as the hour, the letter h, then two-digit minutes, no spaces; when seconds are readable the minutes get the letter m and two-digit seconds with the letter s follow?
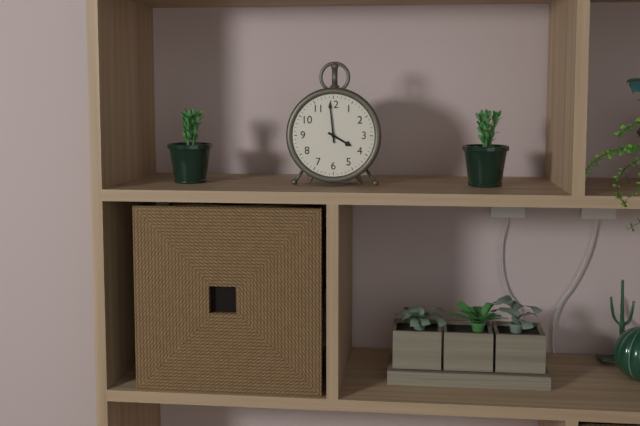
3h59
